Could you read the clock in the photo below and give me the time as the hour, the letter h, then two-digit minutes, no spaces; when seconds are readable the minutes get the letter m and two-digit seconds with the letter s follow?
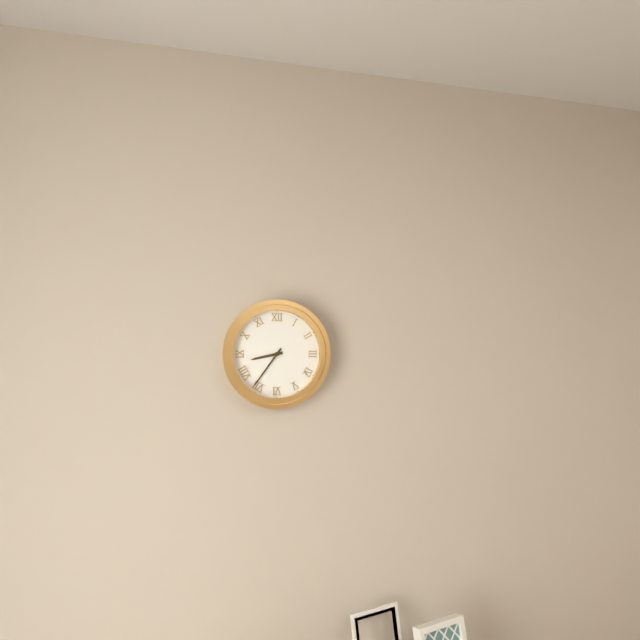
8h36
